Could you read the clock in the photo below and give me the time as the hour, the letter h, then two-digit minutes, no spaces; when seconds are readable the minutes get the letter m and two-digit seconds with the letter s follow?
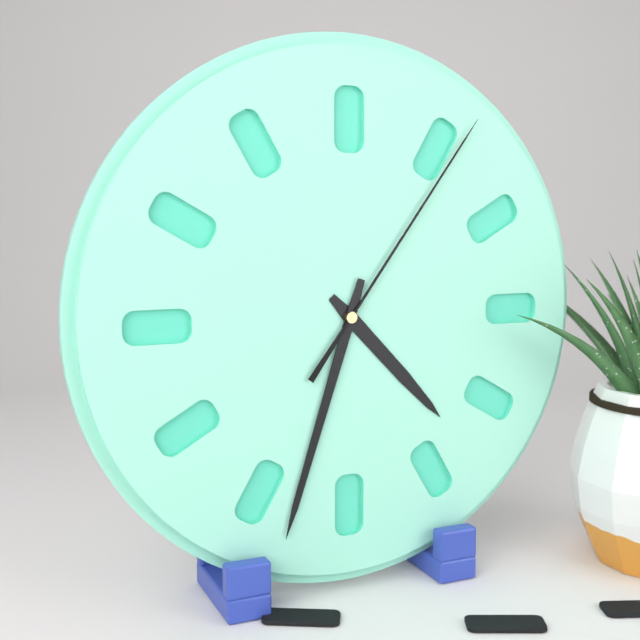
4h33m06s
